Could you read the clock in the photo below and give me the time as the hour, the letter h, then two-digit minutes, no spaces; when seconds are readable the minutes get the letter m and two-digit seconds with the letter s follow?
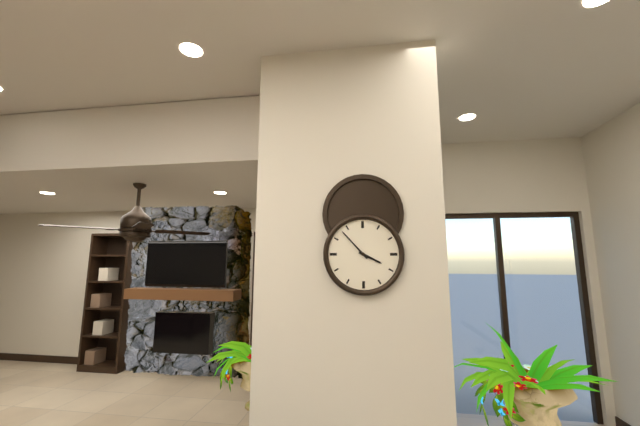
3h53
